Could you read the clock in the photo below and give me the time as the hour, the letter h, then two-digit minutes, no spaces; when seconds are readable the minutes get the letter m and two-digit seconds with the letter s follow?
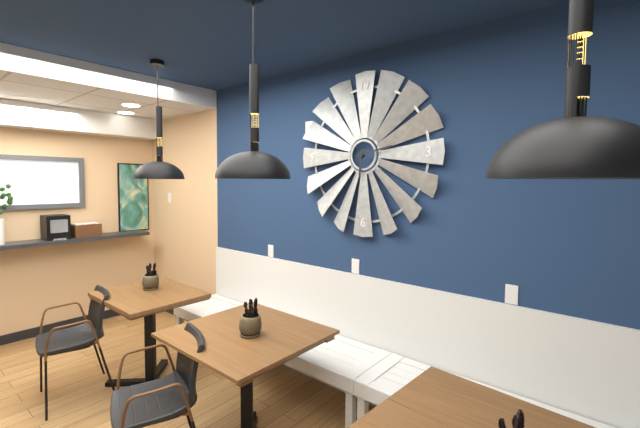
6h13
